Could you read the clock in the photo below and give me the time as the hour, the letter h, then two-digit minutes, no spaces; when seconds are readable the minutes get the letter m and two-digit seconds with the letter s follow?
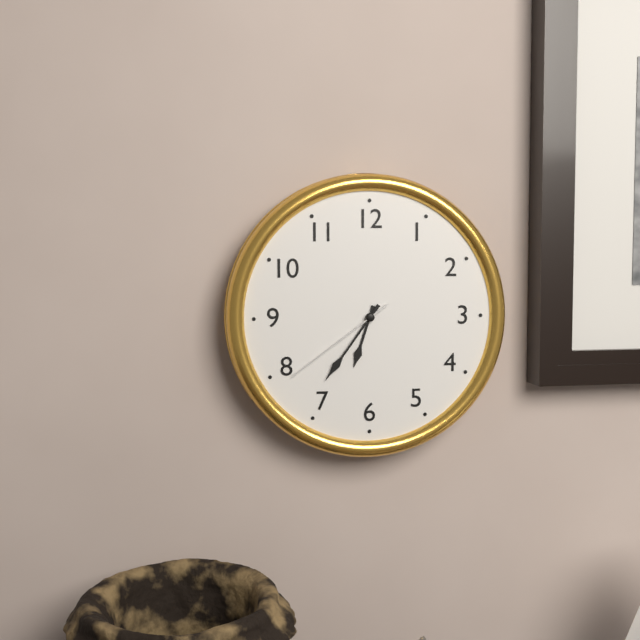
6h36m39s
